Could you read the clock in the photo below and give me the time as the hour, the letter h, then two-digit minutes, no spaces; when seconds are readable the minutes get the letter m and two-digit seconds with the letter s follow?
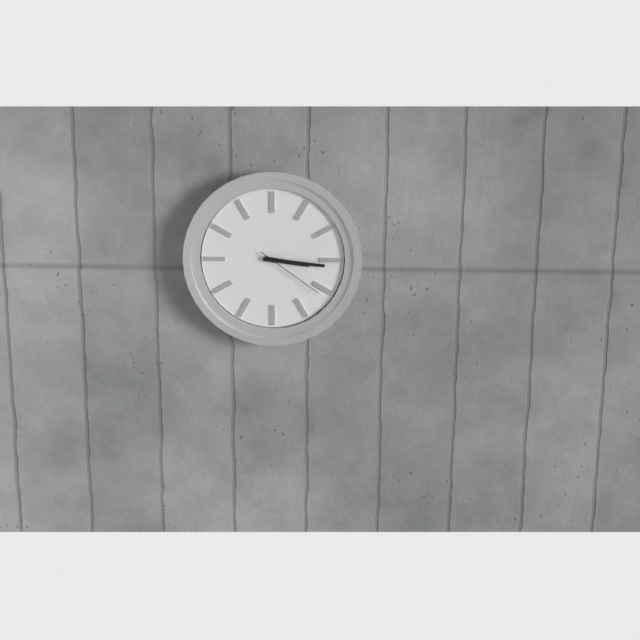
3h16m21s
